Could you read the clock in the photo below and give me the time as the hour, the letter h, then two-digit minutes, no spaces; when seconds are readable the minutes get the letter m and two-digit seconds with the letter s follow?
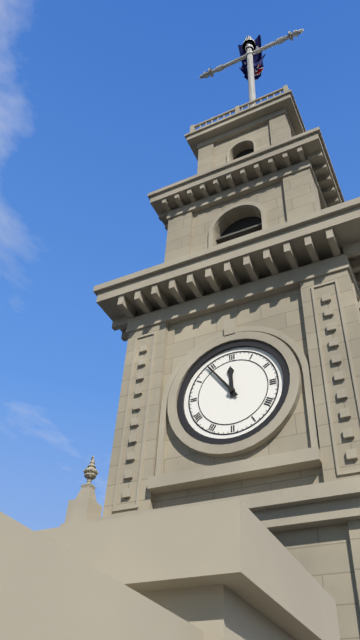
11h54
